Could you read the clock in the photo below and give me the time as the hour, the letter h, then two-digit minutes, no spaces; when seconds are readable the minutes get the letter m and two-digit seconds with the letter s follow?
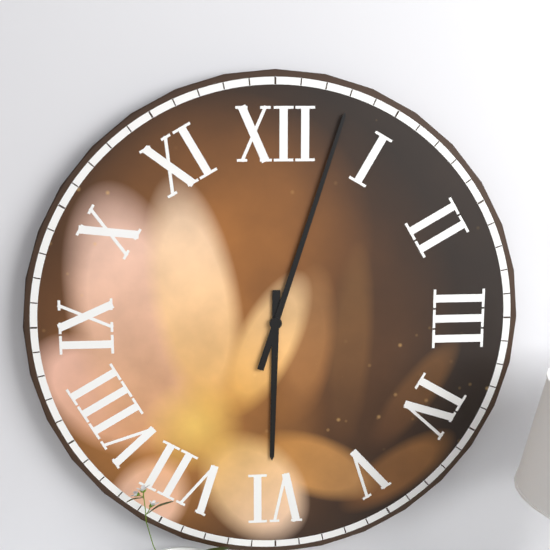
6h03
